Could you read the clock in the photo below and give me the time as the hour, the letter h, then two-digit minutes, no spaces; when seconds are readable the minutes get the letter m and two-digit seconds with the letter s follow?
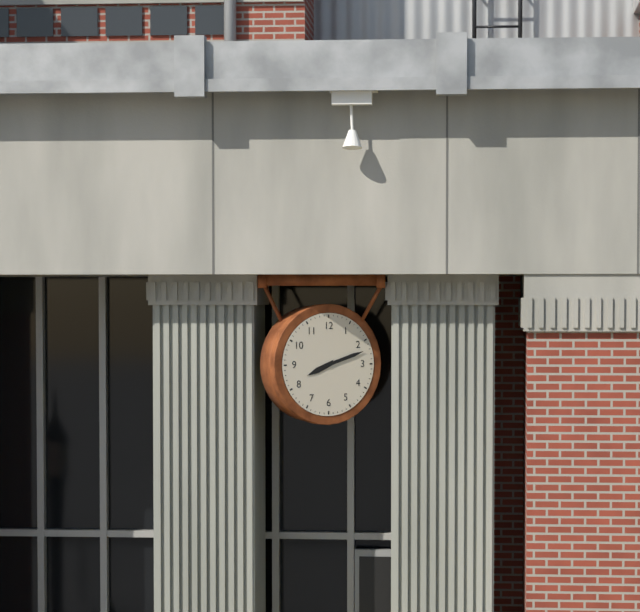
8h12
